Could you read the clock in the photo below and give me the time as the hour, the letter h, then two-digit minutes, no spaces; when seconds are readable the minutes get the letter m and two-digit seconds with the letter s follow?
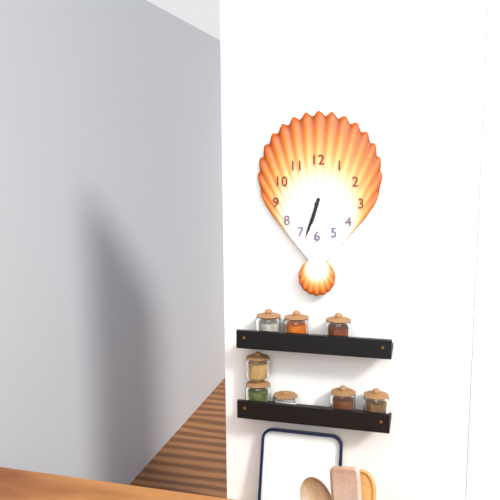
6h33
